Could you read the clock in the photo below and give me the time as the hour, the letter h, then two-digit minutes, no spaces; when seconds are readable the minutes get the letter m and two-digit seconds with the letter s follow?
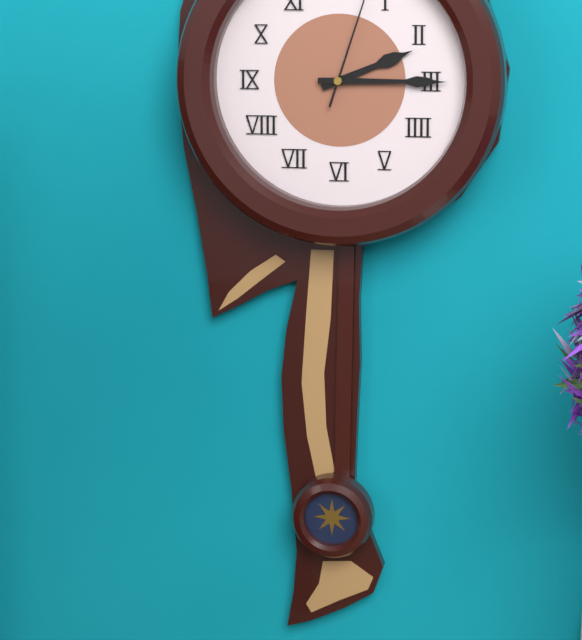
2h15
